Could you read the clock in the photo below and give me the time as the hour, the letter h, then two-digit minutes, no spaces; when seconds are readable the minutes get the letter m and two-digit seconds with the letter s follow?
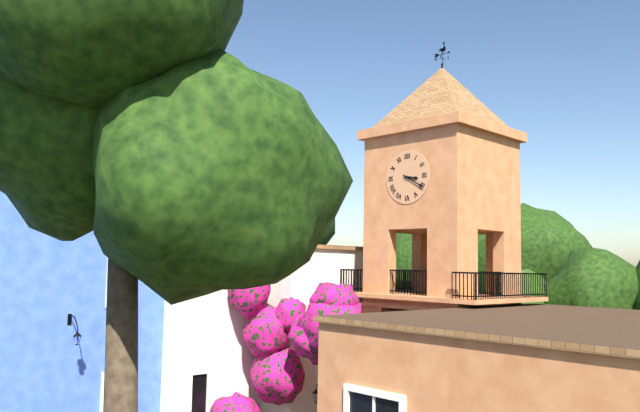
3h20
